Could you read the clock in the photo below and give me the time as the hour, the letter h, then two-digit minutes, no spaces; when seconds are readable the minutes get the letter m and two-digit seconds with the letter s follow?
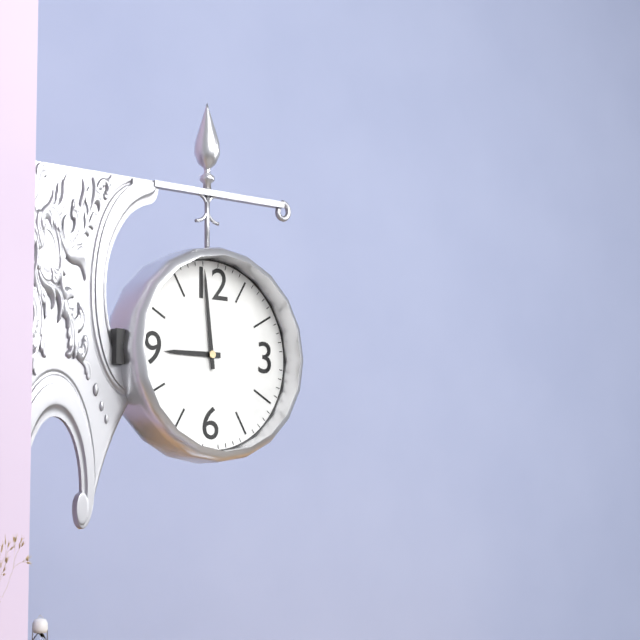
8h59
